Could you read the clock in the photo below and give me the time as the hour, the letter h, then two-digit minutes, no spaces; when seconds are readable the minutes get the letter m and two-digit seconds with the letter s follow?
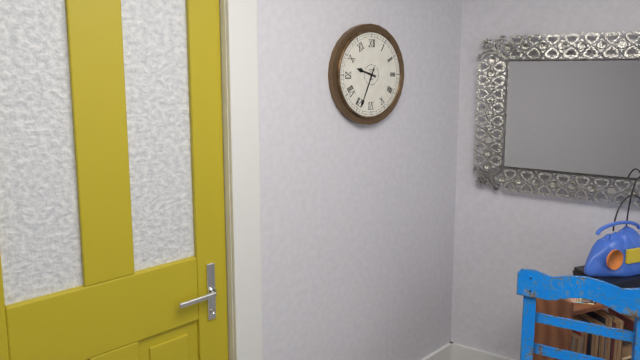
9h34
